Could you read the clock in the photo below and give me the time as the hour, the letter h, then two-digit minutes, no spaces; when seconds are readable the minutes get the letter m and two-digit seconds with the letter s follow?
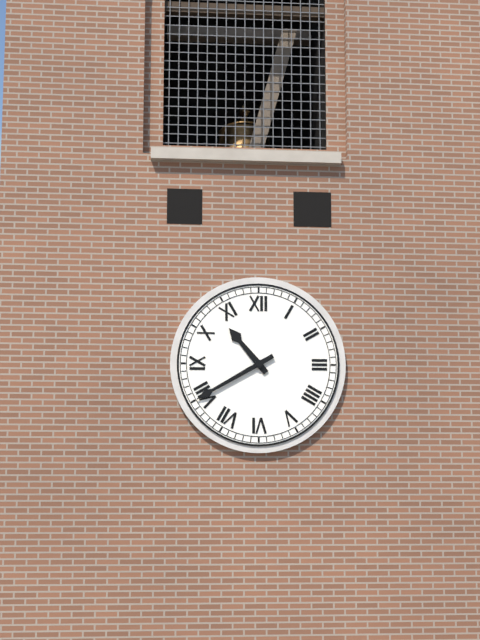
10h40
